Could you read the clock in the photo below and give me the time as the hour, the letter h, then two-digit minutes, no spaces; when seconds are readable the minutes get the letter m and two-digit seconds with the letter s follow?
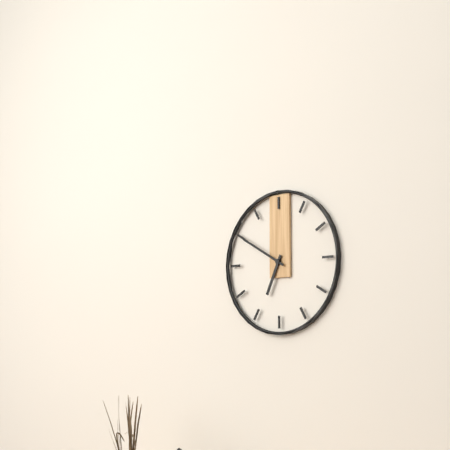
6h50
